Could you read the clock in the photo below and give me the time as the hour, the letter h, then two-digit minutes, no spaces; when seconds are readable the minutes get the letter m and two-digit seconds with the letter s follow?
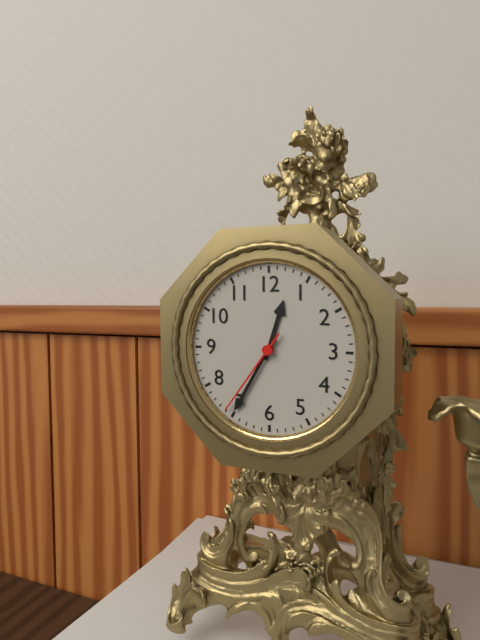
12h35m36s
